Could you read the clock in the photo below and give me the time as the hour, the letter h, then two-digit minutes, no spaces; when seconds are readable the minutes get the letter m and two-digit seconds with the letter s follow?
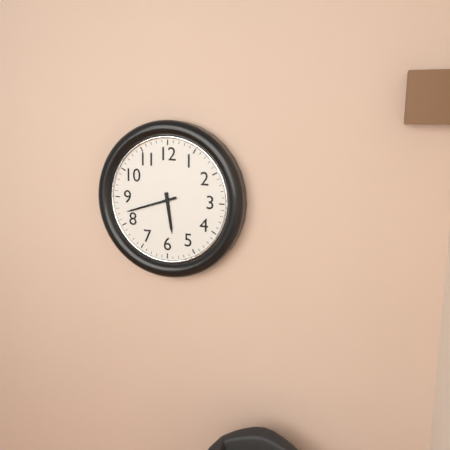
5h42
